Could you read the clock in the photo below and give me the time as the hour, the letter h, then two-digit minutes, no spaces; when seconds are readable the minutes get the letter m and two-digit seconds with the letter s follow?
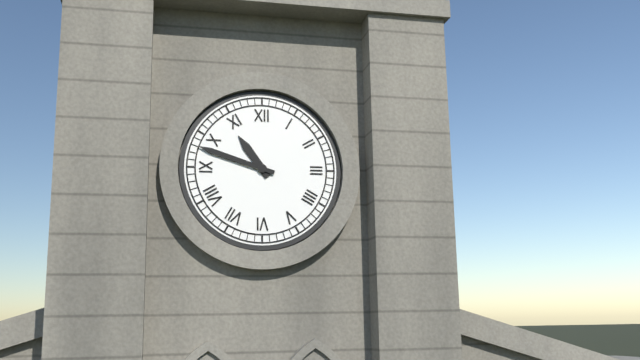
10h48
